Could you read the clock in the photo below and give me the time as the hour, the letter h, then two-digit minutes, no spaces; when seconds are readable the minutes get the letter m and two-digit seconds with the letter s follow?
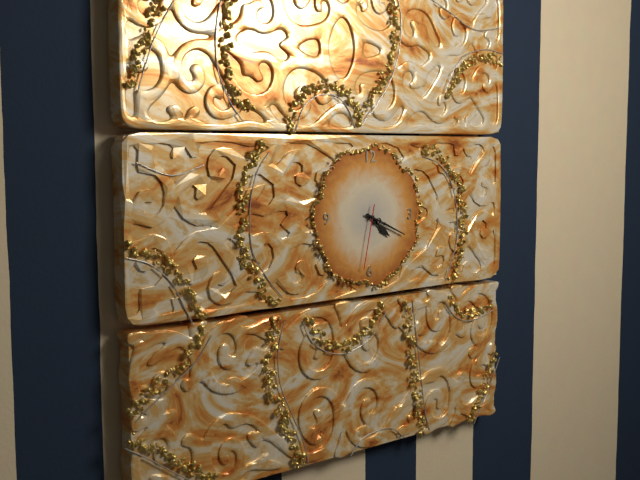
4h19m32s
